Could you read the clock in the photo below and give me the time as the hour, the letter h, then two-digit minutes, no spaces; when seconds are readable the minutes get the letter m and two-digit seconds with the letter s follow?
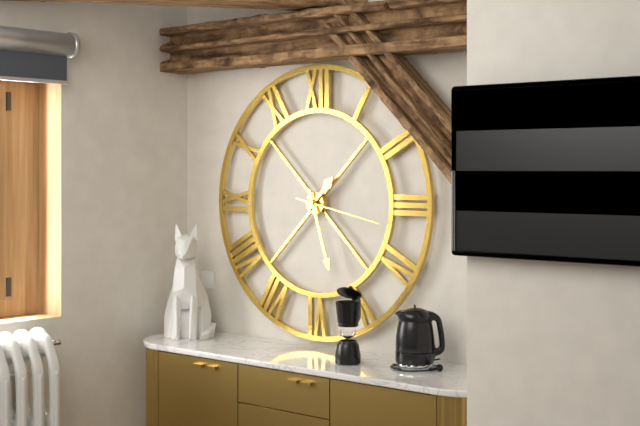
1h27m17s
